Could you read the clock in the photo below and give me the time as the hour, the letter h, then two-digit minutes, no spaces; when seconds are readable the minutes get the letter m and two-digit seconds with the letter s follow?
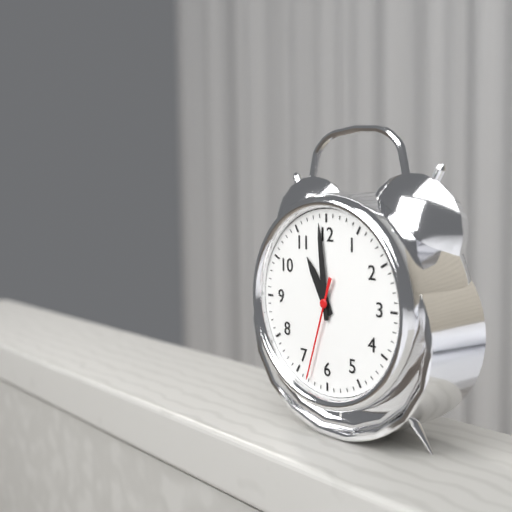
10h59m33s
